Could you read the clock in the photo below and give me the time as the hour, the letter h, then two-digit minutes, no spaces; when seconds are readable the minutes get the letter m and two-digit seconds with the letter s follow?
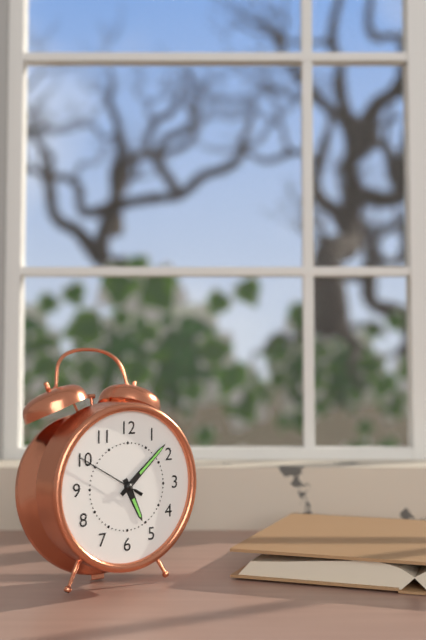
5h08m50s
